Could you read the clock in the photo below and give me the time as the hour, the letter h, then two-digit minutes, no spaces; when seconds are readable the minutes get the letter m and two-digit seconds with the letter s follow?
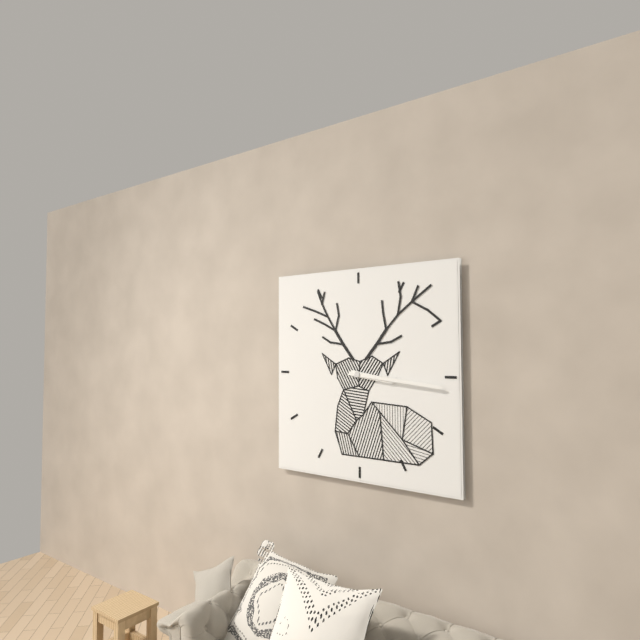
3h16
